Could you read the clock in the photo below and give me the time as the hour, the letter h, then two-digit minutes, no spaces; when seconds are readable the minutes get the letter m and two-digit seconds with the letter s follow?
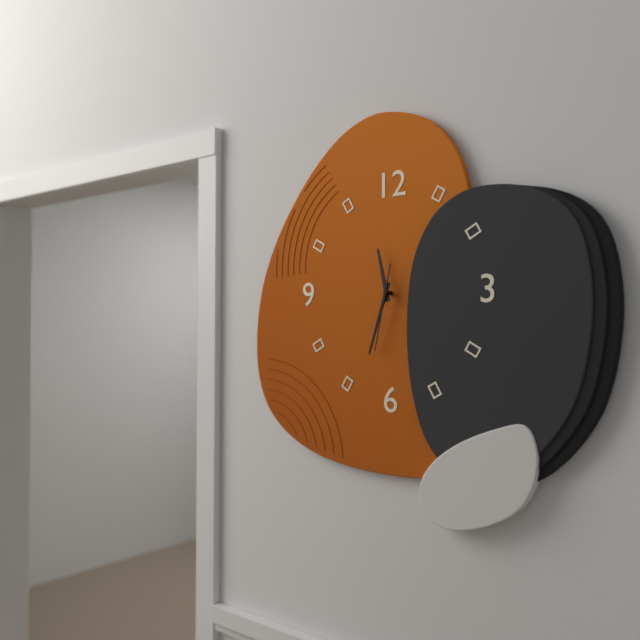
11h33m32s
